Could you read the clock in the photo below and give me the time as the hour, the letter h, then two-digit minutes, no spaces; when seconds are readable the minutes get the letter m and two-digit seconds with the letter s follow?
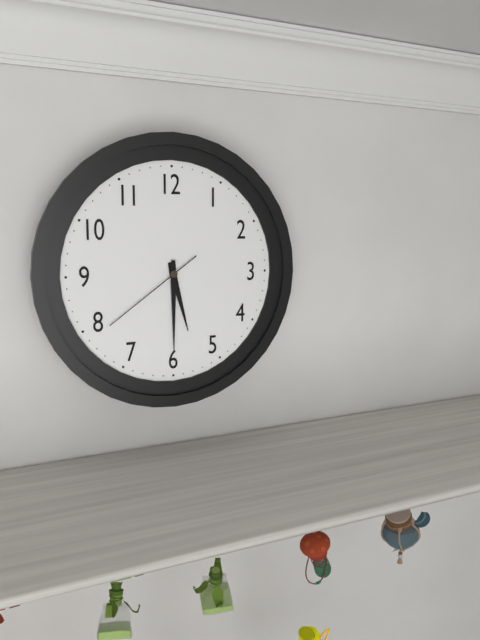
5h30m39s
